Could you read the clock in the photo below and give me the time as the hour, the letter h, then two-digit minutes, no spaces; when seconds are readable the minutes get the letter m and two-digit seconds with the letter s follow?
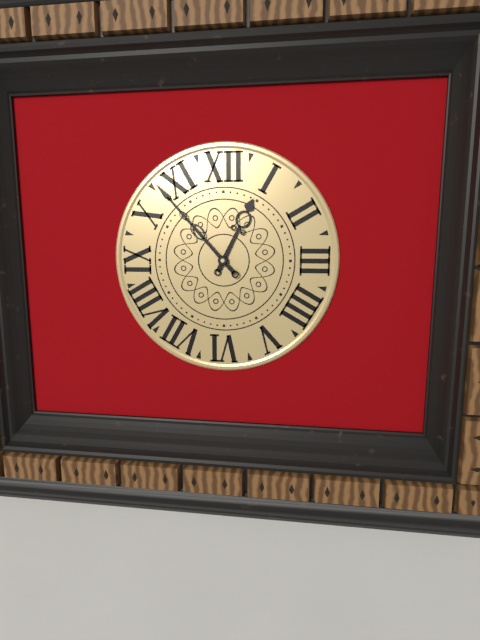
12h53
